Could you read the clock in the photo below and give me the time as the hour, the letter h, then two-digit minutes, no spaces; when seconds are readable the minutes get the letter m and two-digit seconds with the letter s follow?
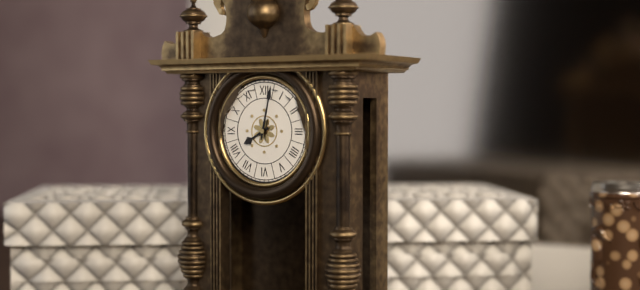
8h02
